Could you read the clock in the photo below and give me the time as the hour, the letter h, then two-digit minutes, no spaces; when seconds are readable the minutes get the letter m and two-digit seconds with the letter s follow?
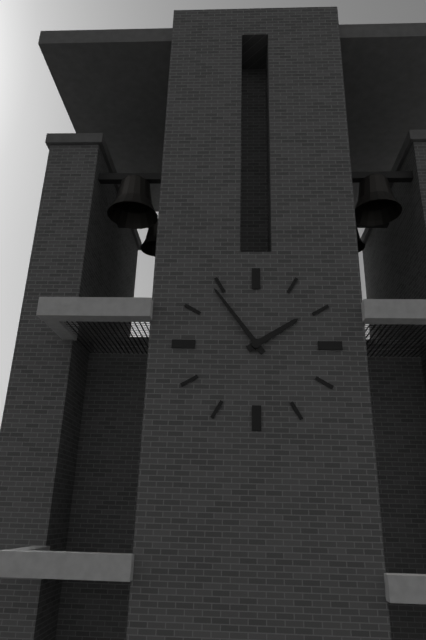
1h54
